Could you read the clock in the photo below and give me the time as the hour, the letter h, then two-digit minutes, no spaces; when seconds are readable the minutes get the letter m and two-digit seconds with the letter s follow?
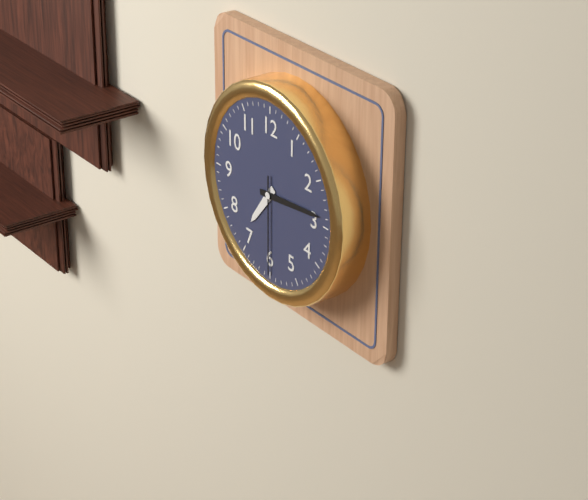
7h14m30s
